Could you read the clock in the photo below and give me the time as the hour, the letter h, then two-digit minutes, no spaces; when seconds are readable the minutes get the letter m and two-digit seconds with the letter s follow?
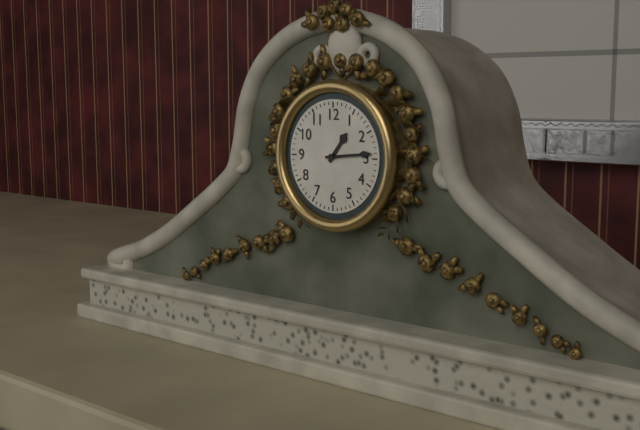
1h14
